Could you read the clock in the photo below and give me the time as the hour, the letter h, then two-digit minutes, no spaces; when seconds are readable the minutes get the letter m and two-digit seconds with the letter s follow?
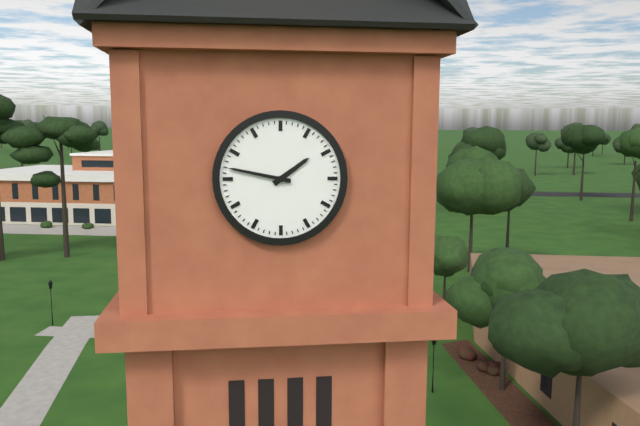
1h47
